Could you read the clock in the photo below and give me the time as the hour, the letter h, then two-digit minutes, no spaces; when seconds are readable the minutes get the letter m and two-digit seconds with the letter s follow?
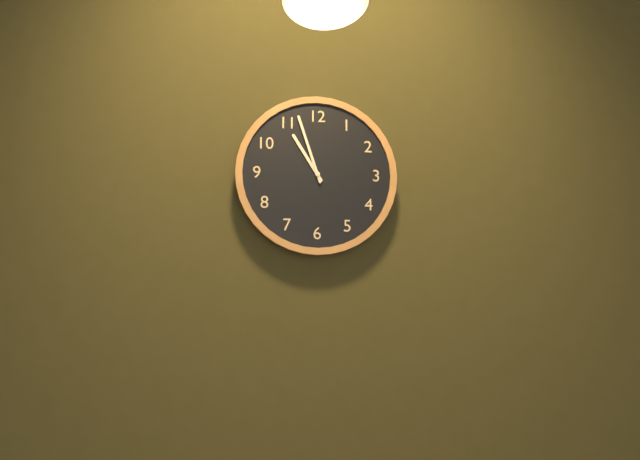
10h57
